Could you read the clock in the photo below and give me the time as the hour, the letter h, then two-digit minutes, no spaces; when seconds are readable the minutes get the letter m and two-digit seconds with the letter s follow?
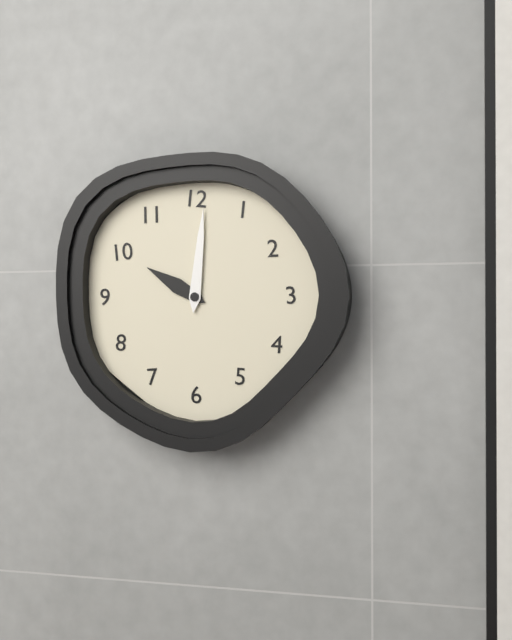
10h01
